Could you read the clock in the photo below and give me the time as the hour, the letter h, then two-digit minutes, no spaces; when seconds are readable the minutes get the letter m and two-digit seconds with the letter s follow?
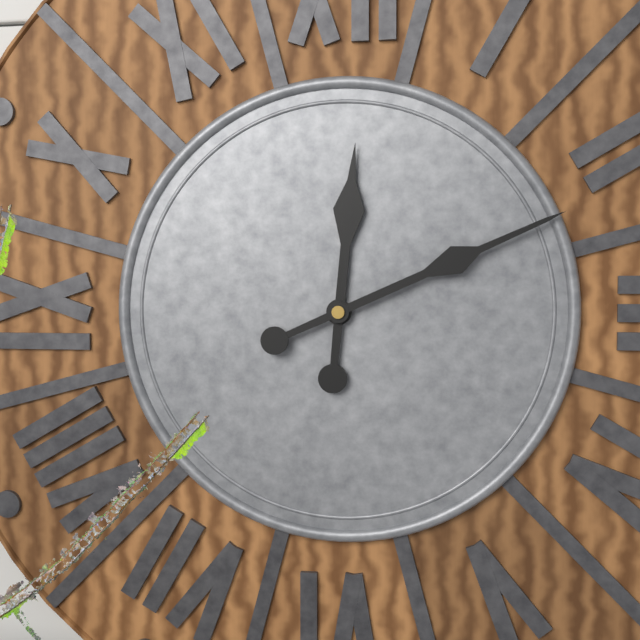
12h11
